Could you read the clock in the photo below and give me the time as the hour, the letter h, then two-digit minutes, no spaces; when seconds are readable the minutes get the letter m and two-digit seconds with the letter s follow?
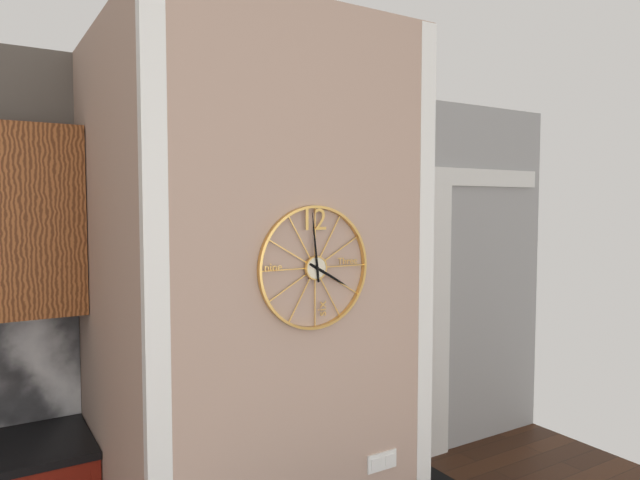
3h59
